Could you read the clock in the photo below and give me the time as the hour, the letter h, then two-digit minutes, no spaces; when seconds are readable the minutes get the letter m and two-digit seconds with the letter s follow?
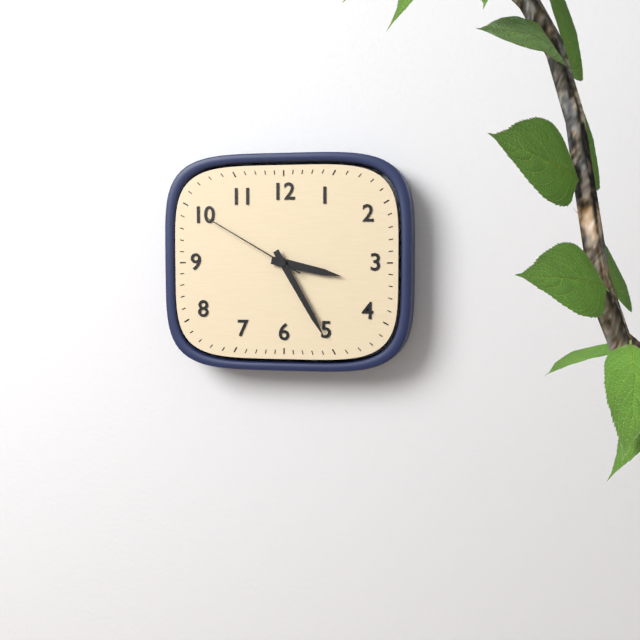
3h25m50s
